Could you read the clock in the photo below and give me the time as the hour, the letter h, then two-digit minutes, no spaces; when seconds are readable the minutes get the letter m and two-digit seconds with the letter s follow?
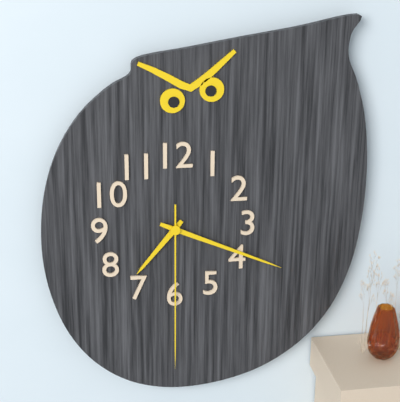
7h19m30s
